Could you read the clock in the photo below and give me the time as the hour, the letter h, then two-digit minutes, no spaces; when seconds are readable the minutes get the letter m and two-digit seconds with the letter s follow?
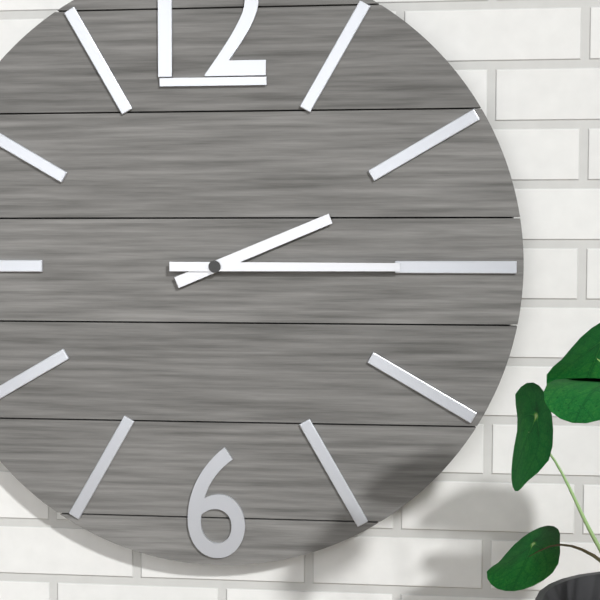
2h15
